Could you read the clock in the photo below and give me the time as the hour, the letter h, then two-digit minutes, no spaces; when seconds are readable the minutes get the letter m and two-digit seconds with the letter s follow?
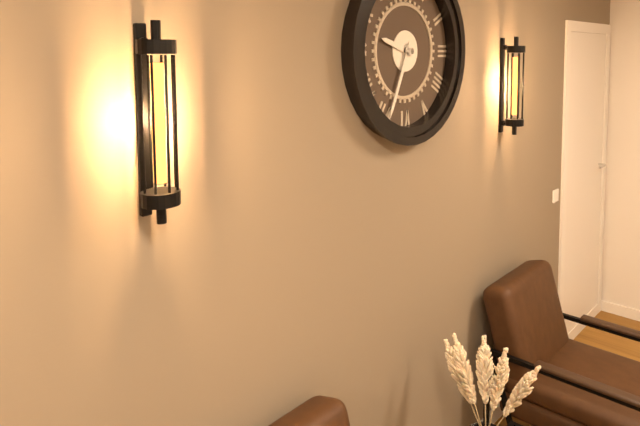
9h34
